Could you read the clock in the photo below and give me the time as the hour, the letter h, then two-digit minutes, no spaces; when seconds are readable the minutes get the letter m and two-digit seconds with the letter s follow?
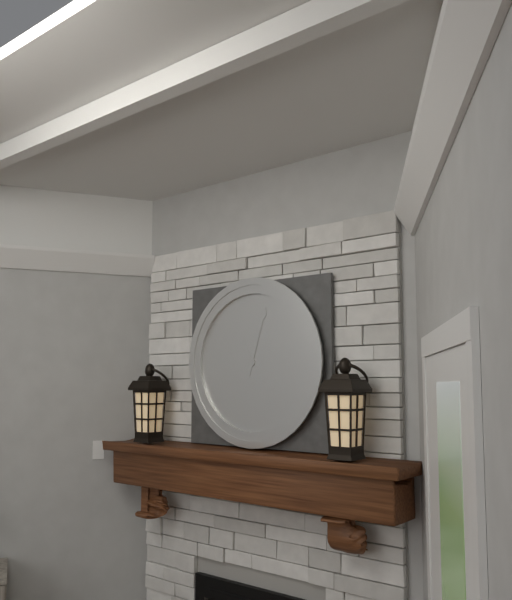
11h03
